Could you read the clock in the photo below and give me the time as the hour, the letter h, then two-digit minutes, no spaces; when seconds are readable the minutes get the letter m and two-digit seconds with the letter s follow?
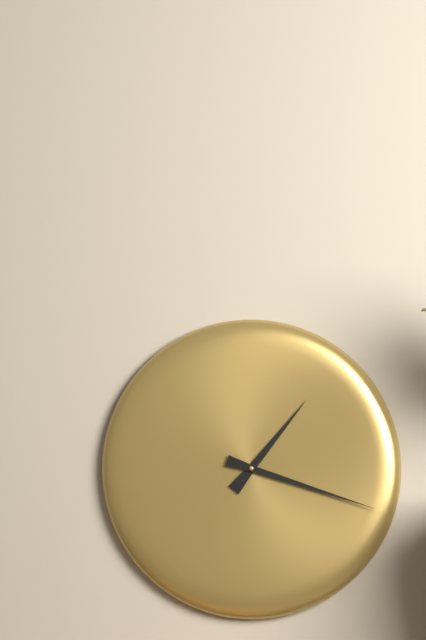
1h18
